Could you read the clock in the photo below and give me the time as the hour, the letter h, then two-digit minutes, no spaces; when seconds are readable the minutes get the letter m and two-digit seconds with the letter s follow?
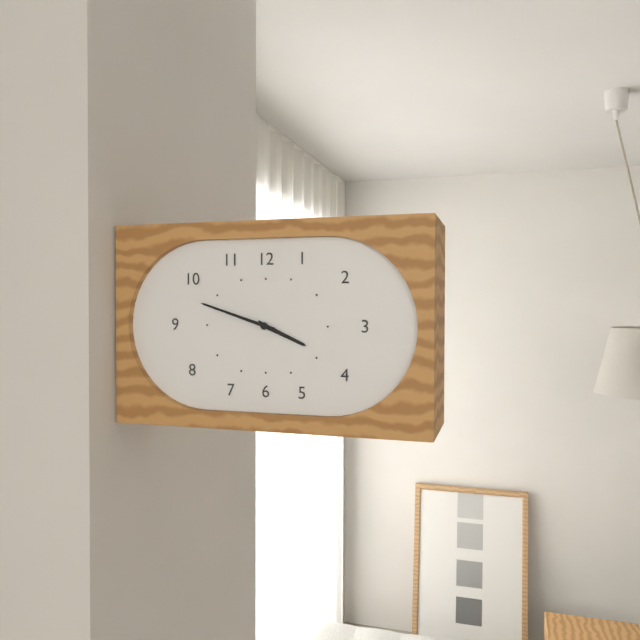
3h48
